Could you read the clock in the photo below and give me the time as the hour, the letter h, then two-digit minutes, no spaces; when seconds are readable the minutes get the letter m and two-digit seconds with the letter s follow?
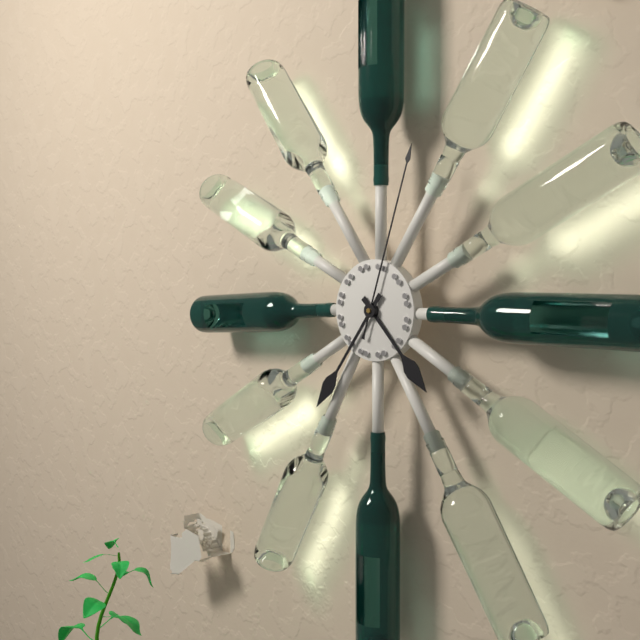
4h36m03s
